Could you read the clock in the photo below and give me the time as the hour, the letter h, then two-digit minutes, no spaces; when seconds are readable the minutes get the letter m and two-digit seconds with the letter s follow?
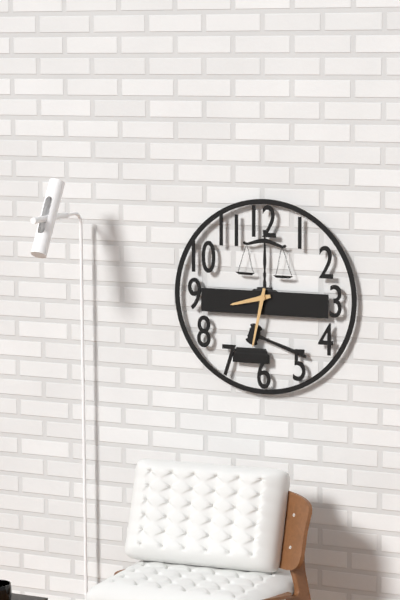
8h32
